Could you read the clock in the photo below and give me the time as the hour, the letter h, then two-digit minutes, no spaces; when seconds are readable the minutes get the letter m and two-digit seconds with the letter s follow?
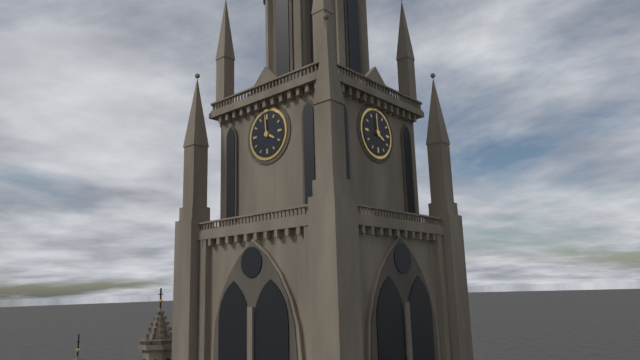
3h59
